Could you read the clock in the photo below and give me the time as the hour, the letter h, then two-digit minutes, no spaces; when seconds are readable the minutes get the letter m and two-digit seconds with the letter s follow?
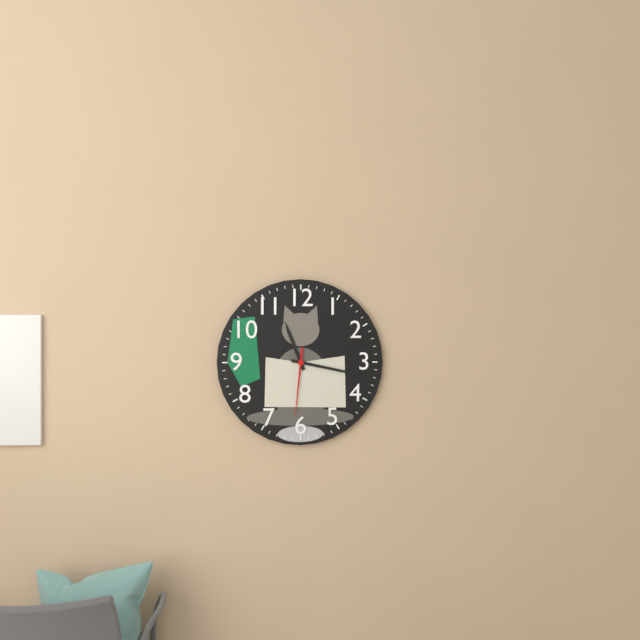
11h17m31s
